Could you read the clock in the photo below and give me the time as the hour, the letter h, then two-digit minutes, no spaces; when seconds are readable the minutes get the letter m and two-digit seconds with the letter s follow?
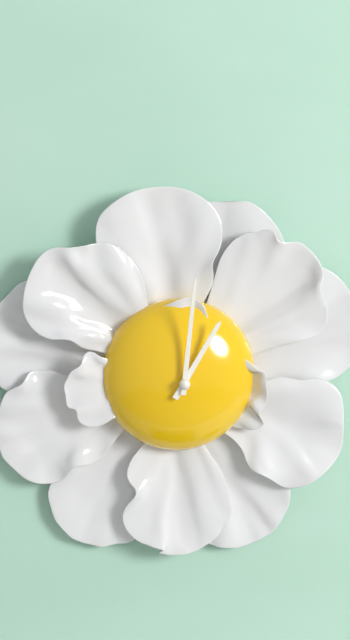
1h01
